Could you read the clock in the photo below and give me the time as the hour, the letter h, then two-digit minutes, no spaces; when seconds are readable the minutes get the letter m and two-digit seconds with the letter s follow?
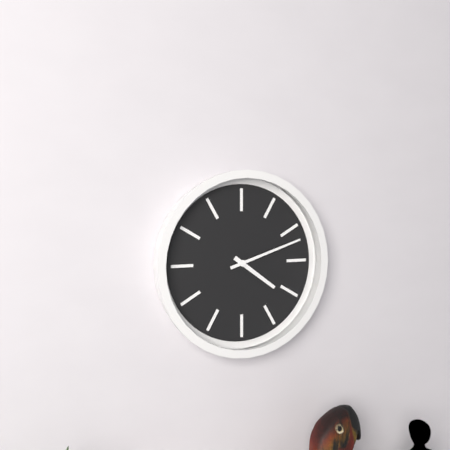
4h12
